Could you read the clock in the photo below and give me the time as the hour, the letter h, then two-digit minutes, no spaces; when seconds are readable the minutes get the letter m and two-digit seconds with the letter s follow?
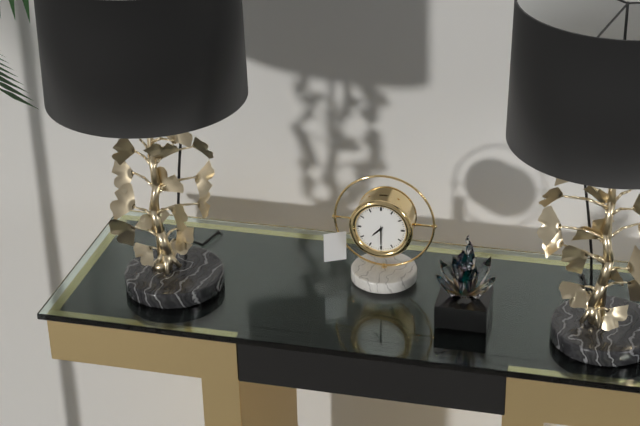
7h30
